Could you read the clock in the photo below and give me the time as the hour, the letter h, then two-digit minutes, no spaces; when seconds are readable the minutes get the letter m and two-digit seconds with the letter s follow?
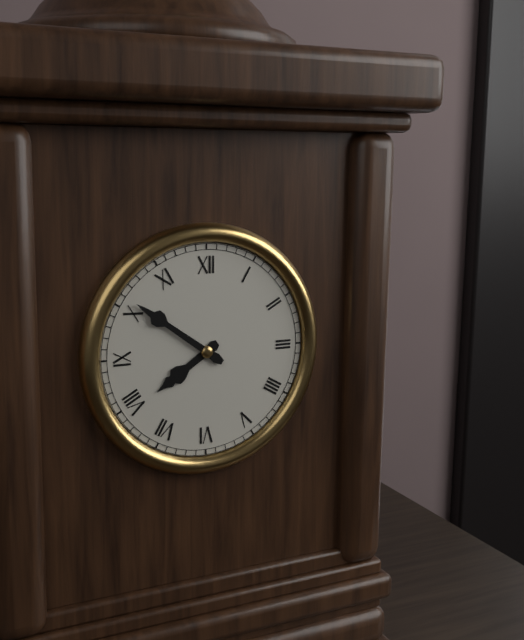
7h51
